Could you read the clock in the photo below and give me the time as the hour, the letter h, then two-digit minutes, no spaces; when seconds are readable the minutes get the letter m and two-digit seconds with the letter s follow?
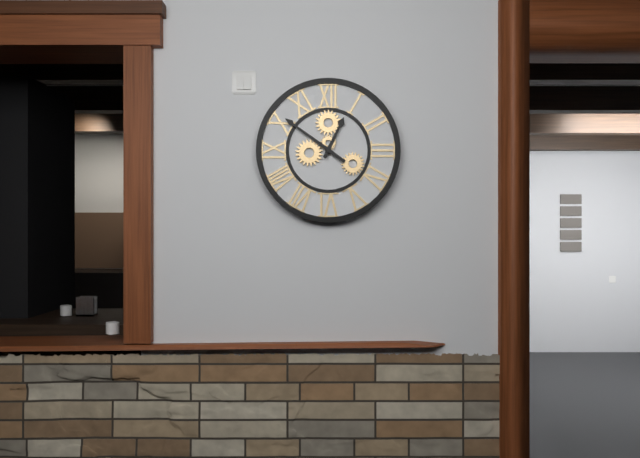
12h51
